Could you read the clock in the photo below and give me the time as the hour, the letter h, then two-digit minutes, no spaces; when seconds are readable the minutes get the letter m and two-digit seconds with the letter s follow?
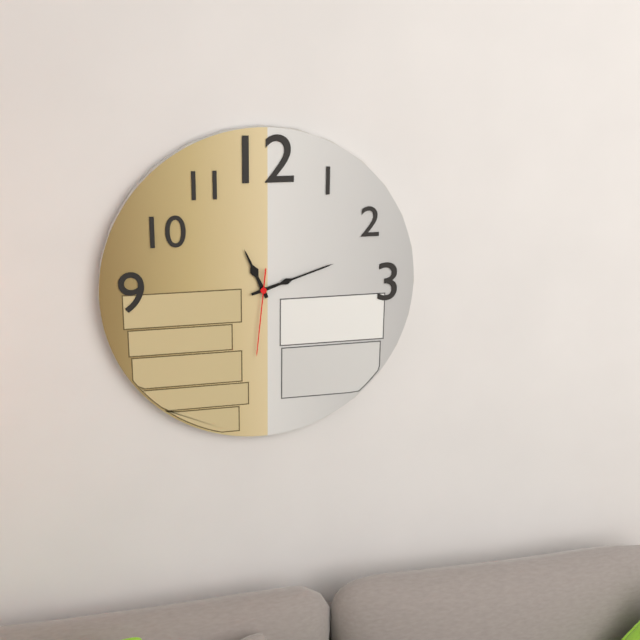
11h12m31s
